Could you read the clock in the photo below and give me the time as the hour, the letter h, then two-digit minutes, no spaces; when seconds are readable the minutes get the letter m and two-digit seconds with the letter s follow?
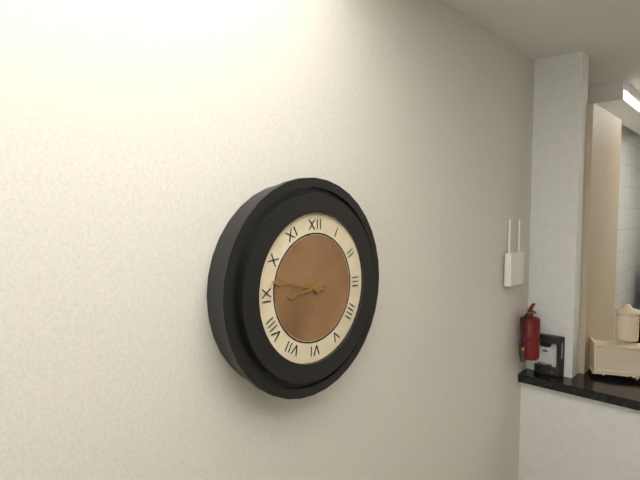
8h47
